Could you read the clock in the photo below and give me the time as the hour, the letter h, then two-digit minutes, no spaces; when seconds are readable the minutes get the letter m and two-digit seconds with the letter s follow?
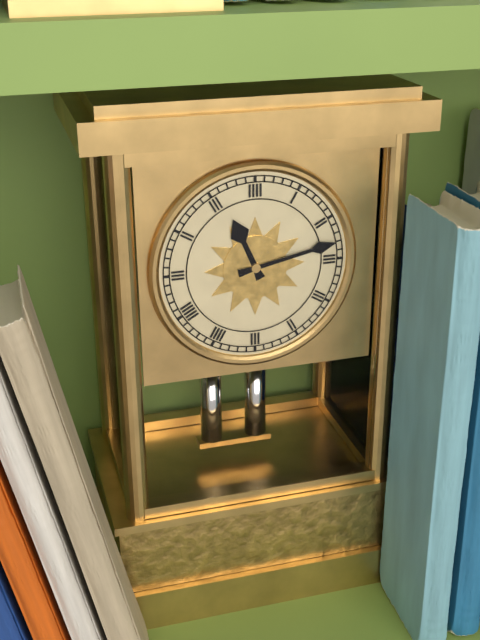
11h13
